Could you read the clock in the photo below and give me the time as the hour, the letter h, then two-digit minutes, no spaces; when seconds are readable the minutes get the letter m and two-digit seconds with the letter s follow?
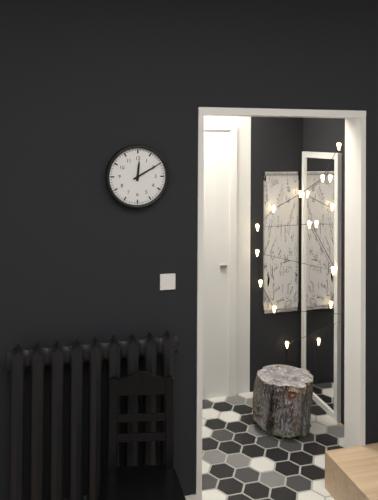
12h10
